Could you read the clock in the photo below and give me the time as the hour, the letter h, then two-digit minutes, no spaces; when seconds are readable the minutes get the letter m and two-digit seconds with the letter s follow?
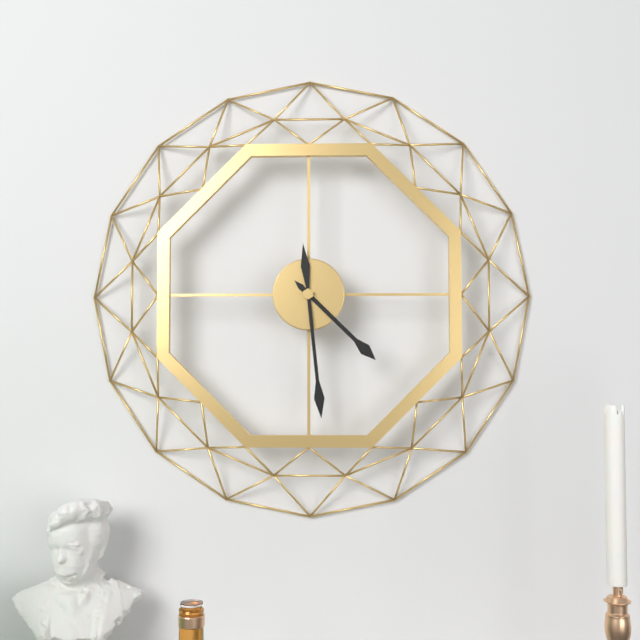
4h29
